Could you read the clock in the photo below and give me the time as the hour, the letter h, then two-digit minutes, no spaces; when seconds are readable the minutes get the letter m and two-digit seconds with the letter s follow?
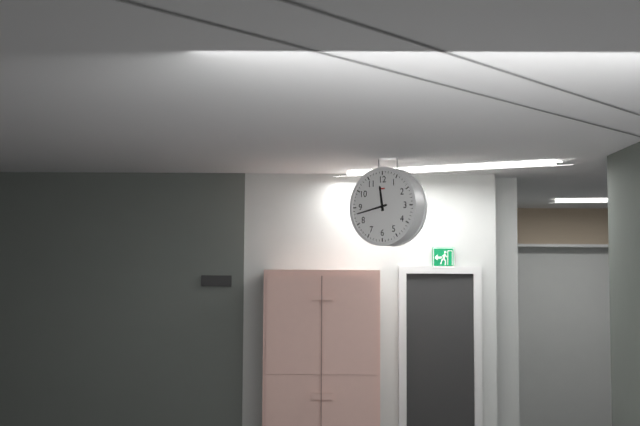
11h43
